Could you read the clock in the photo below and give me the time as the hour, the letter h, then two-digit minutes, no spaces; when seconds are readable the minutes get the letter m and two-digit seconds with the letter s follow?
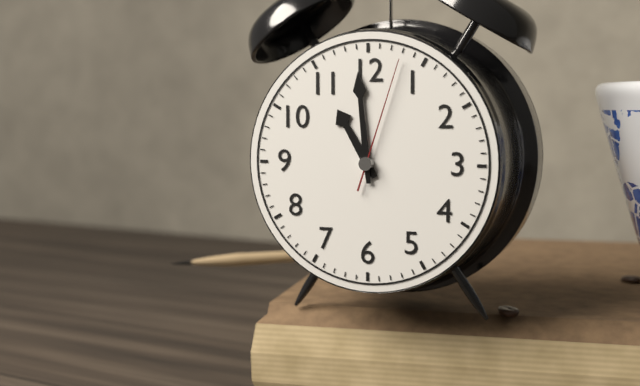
10h59m03s
